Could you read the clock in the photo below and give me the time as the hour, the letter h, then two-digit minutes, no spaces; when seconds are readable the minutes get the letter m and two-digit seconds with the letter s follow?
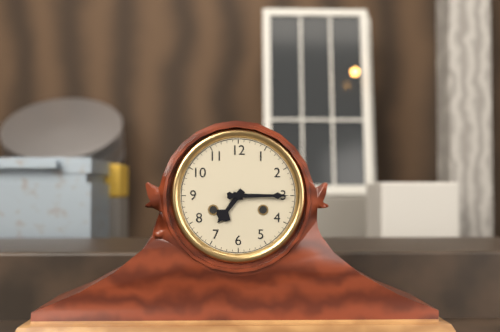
7h15
